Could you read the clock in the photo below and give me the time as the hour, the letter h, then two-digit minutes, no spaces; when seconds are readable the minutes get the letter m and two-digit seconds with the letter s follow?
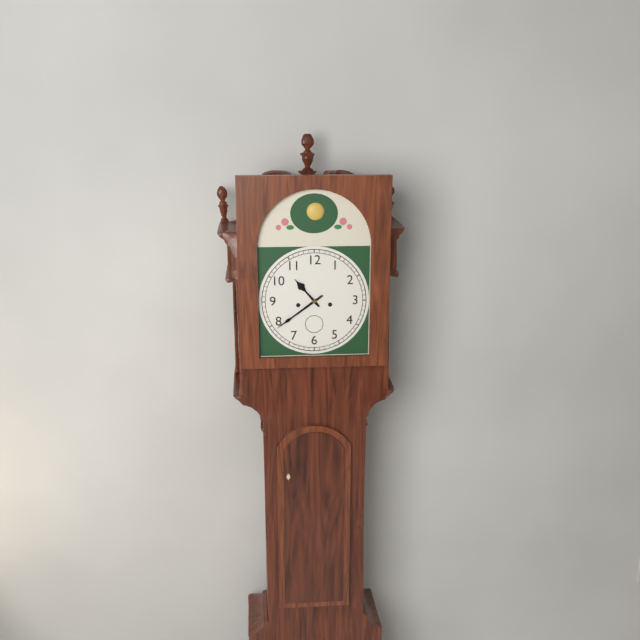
10h39
